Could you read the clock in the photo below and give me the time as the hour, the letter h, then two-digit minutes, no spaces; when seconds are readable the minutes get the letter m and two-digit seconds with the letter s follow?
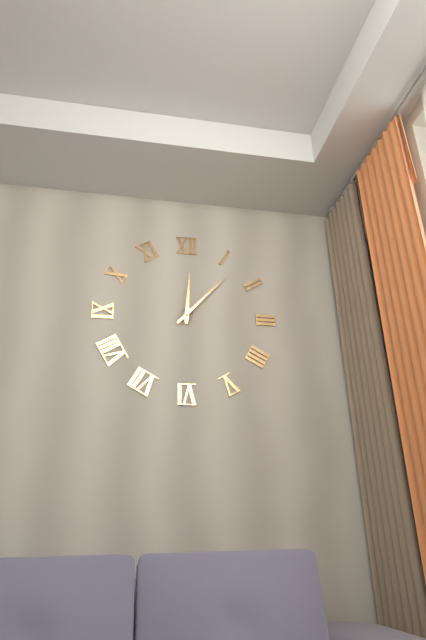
12h07
